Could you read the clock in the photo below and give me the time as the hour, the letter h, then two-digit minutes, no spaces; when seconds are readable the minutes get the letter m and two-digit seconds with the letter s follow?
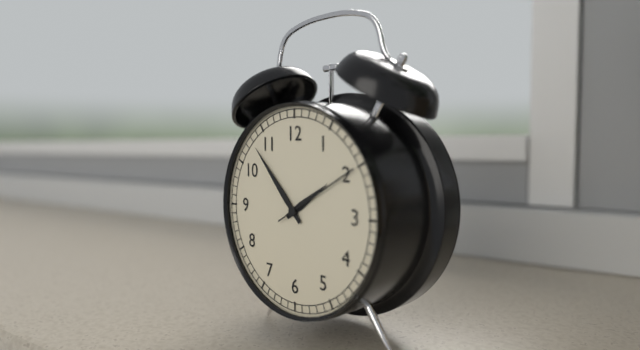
1h53m10s
